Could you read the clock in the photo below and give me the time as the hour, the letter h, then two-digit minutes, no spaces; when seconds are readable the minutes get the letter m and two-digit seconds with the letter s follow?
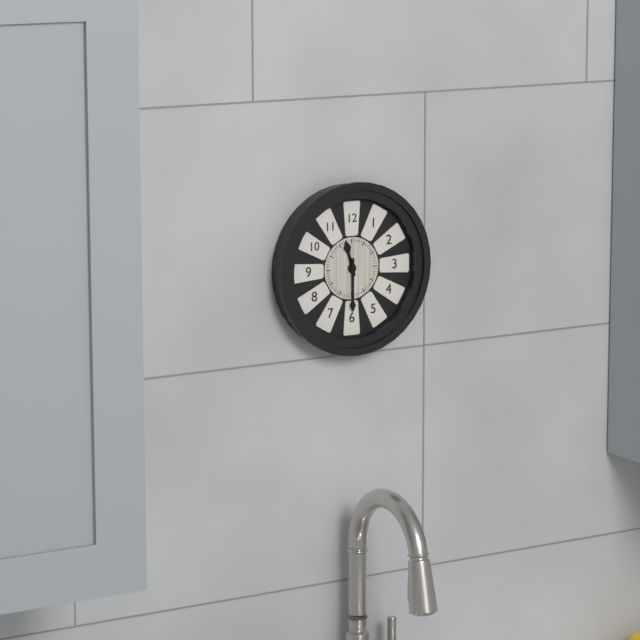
11h30
